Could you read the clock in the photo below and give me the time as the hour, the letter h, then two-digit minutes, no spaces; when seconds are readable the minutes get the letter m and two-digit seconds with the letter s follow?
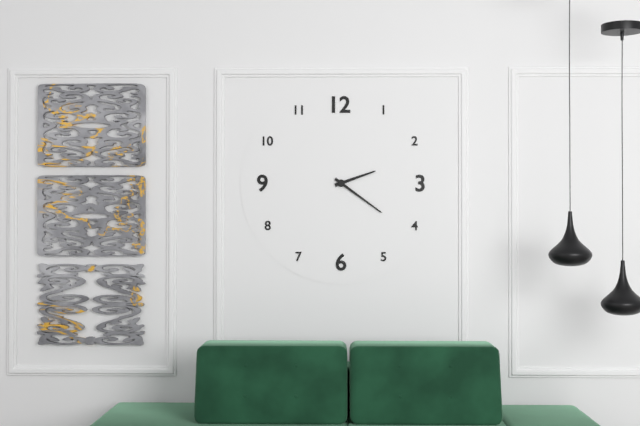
2h21
